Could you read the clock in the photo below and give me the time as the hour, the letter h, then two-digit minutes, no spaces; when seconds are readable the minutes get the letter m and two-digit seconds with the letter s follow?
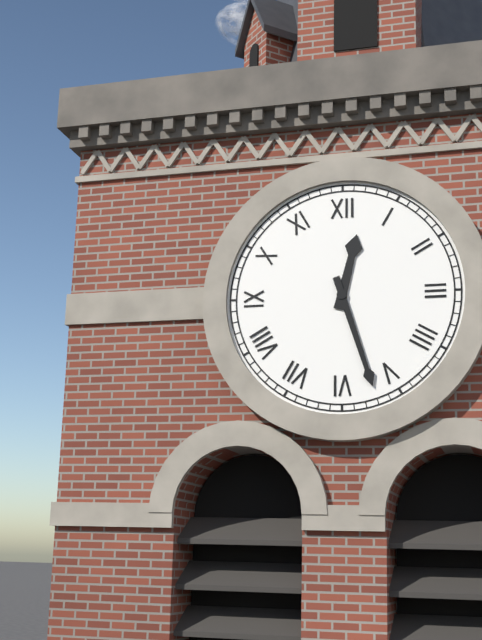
12h27
